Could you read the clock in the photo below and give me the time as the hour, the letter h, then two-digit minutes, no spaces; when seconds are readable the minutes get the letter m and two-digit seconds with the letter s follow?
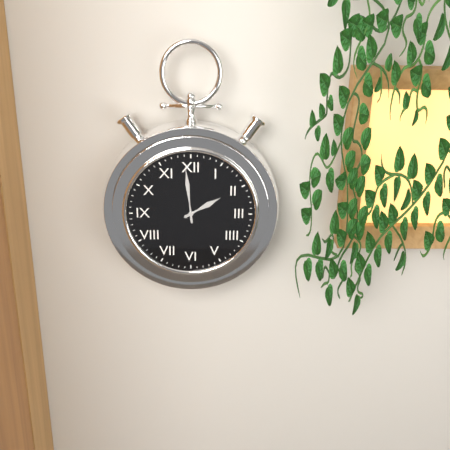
1h59
